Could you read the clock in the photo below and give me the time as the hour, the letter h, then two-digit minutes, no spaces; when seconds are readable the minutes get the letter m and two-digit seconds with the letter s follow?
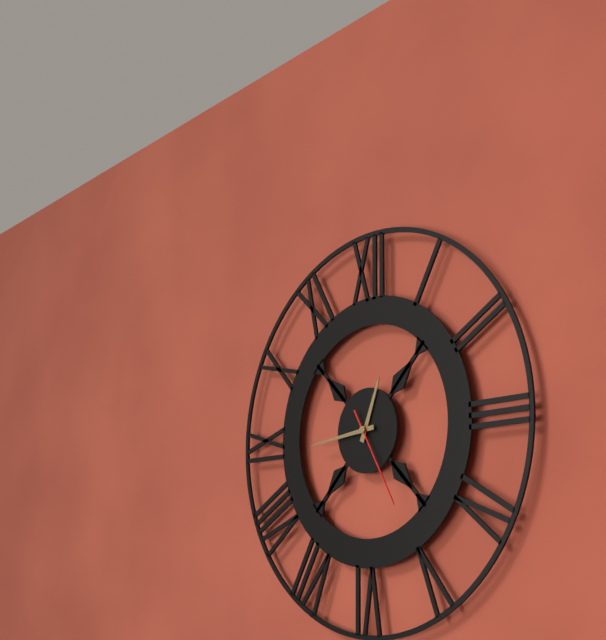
12h44m25s
